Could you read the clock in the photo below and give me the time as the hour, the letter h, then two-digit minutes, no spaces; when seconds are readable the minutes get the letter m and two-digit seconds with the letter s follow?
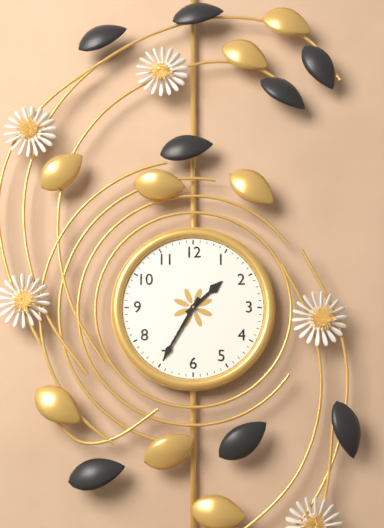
1h35
